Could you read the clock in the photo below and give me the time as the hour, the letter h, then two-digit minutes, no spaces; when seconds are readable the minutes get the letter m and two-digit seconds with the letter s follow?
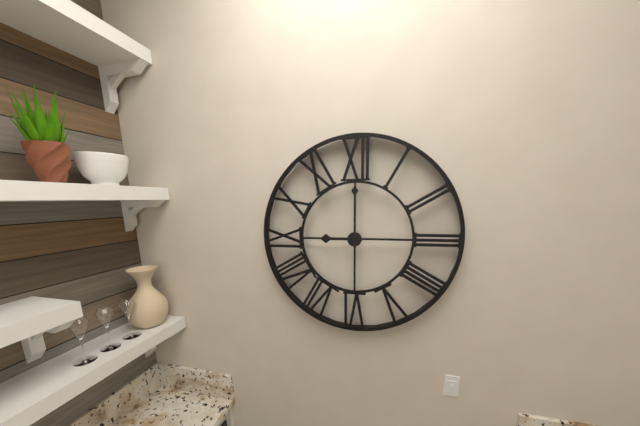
9h00
